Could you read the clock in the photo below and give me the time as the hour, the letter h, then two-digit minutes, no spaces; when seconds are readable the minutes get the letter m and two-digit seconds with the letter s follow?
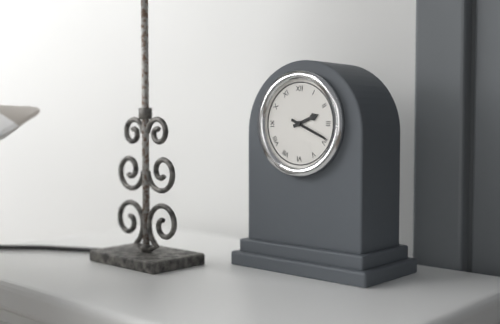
2h19
